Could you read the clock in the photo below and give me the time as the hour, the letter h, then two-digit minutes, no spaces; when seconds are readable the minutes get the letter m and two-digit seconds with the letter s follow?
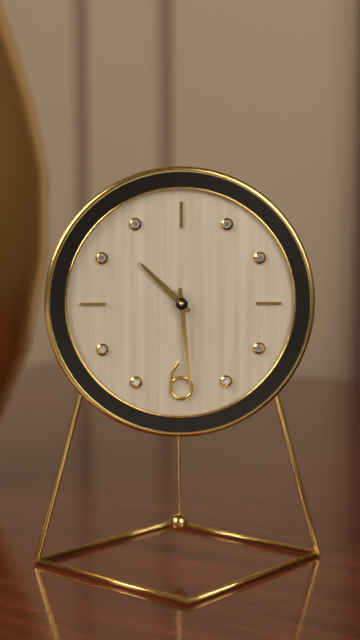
10h29
